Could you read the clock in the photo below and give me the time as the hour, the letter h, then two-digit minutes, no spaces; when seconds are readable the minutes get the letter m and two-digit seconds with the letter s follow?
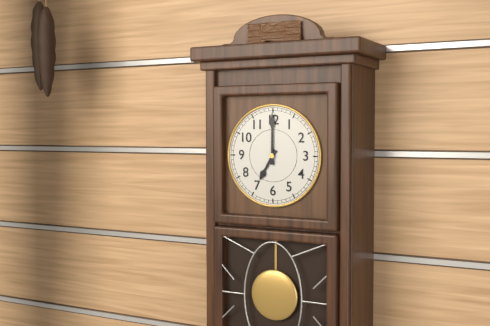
7h00
